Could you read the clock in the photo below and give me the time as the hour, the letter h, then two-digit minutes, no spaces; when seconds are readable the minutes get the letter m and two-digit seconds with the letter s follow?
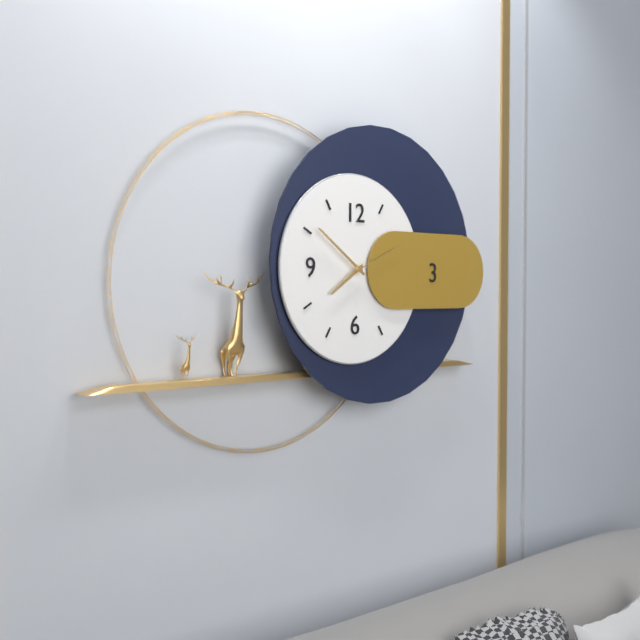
7h51m11s
